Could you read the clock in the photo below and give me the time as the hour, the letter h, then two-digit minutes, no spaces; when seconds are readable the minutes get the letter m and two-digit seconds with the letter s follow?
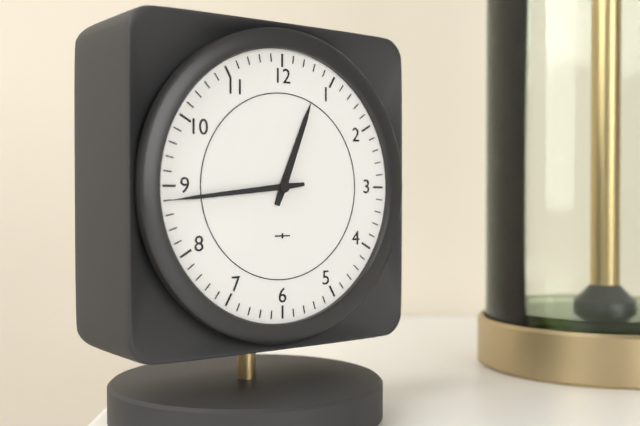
12h44
